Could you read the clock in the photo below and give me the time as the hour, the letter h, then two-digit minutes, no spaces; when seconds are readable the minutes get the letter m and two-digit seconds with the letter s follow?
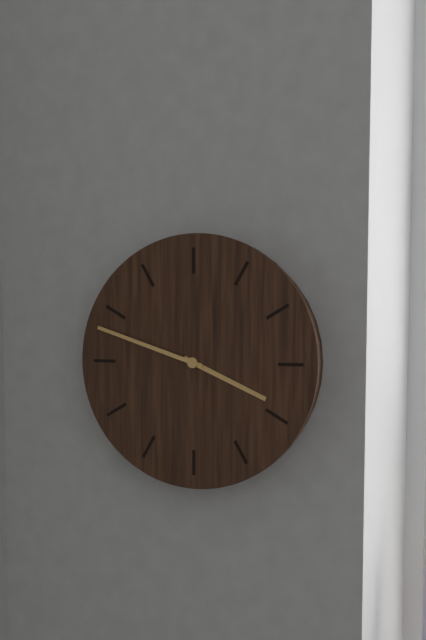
3h48
